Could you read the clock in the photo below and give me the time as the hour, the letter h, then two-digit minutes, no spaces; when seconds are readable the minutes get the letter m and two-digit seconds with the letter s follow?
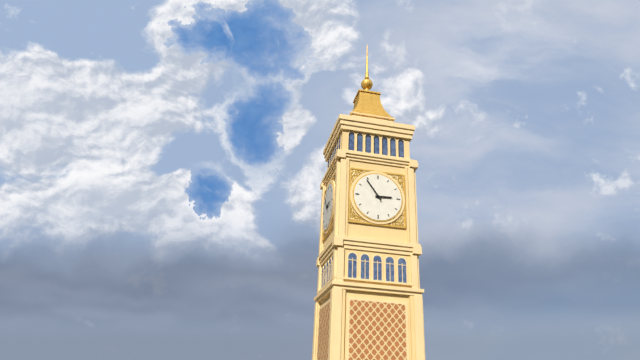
2h54
